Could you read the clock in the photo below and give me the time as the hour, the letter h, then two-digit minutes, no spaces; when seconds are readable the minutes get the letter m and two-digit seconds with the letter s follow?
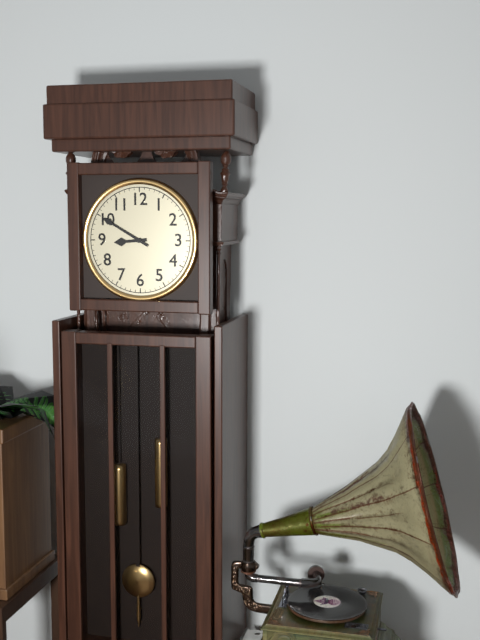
8h50
